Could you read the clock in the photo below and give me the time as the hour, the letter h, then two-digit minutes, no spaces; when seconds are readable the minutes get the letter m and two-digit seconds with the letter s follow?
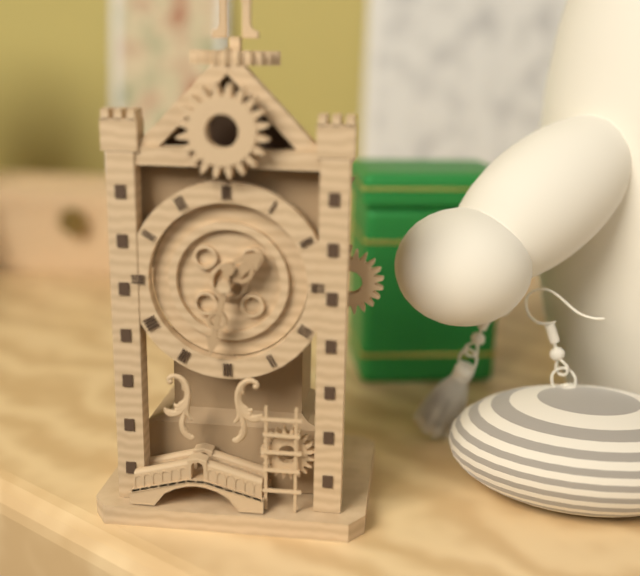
1h32
